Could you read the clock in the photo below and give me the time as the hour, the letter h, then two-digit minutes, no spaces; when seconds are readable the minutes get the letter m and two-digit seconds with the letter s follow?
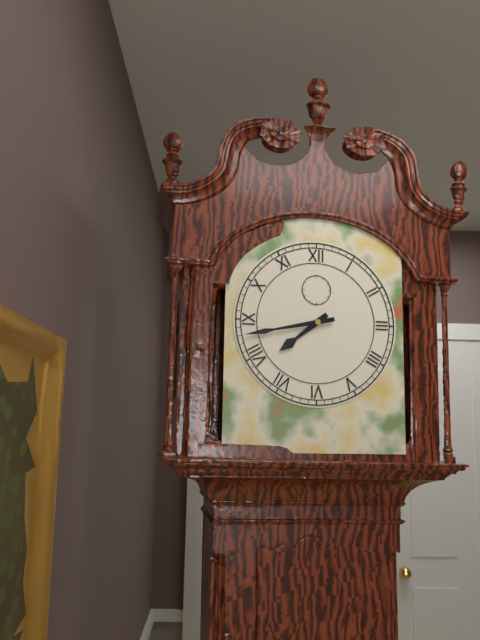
7h43
